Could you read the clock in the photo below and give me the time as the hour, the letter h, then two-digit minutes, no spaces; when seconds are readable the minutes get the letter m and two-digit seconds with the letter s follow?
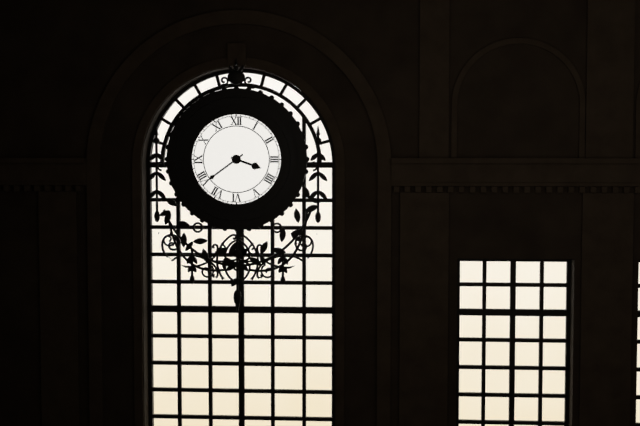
3h39
